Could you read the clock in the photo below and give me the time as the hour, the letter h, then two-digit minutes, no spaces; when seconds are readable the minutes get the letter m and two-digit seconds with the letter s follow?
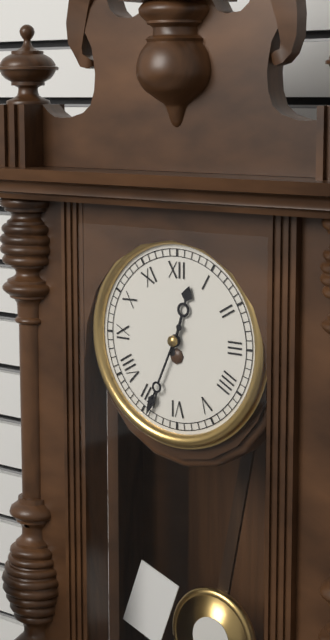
12h34
